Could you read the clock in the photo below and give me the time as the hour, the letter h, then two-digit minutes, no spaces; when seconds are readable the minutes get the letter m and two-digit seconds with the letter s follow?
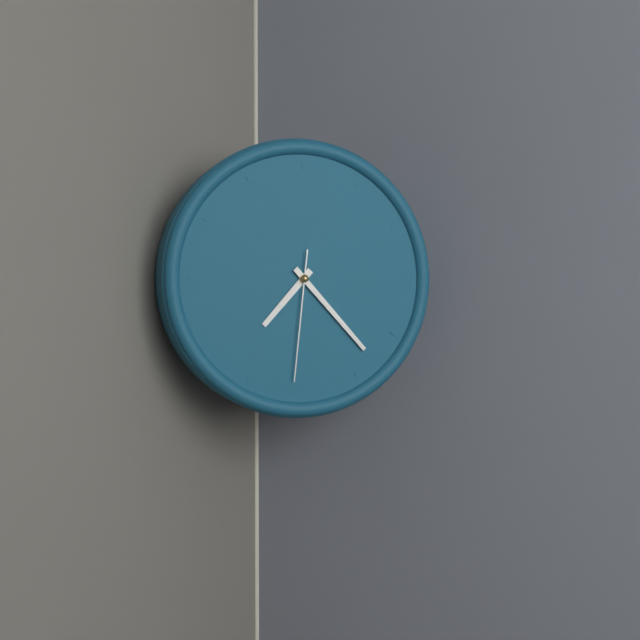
7h23m31s
